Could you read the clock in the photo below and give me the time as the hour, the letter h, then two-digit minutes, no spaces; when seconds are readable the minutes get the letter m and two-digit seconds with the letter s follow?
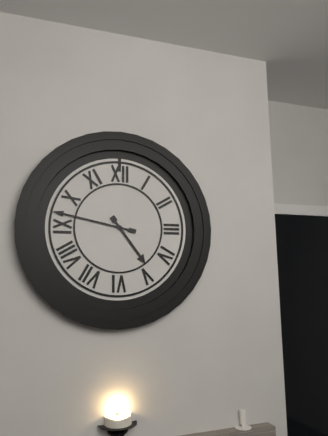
4h47
